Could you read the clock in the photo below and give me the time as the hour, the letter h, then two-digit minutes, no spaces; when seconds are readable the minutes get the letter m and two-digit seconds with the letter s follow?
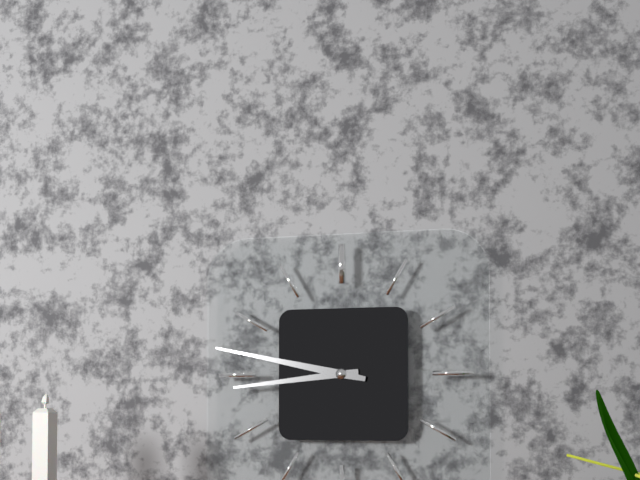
8h47
